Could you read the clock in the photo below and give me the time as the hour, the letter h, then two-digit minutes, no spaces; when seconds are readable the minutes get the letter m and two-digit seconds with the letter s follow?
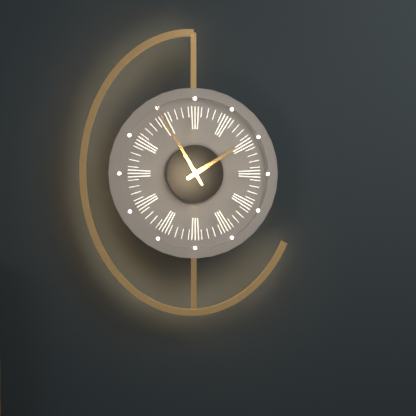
1h55
